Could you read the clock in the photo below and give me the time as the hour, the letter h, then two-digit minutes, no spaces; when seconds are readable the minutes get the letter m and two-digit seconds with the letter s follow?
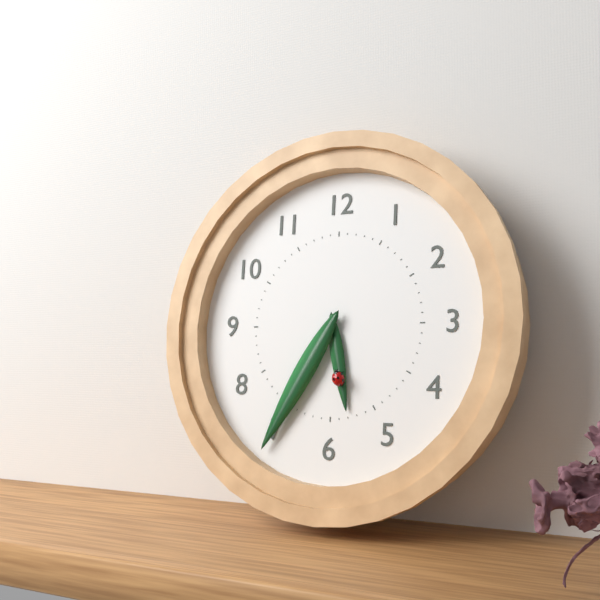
5h35
